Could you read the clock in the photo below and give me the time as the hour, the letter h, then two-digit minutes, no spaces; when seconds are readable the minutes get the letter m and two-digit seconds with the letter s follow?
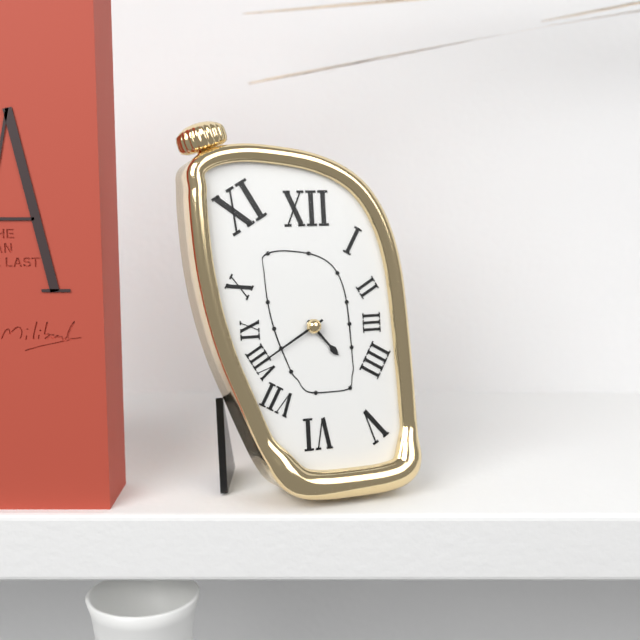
4h40
